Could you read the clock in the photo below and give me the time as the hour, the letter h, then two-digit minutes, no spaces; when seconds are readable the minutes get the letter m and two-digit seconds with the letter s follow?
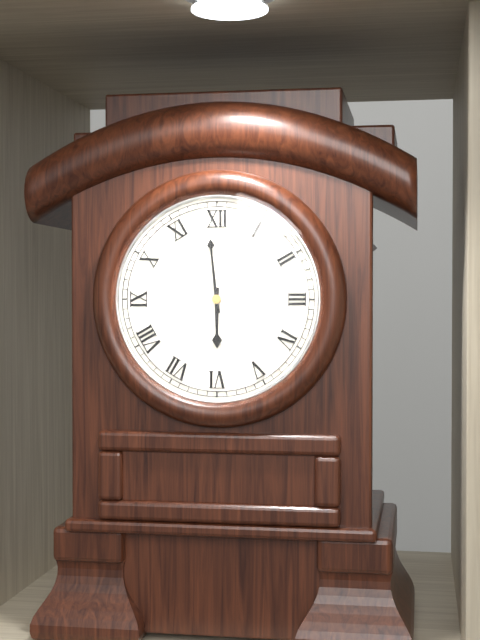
5h59
